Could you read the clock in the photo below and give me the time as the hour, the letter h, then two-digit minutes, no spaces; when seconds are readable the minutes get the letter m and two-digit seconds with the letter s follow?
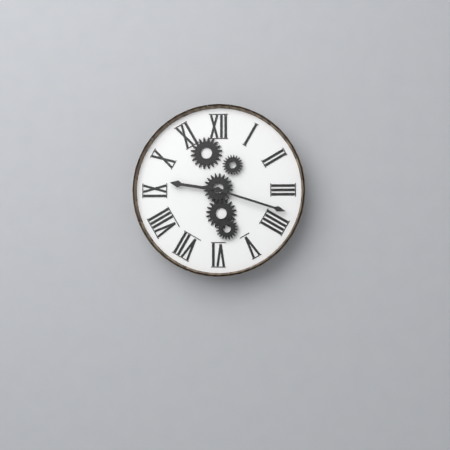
9h18
